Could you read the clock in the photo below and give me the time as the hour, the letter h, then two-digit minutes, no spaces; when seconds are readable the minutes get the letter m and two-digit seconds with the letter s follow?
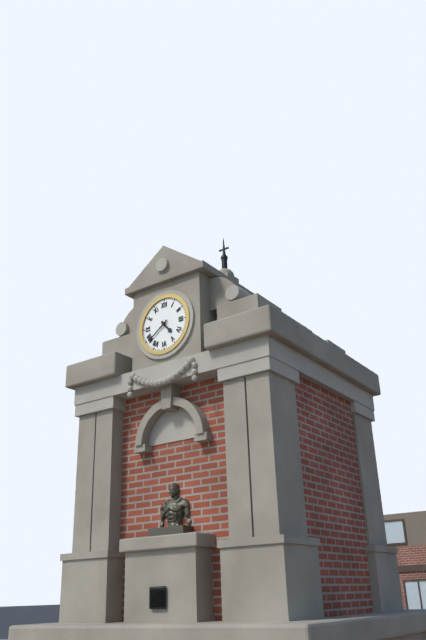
4h39
